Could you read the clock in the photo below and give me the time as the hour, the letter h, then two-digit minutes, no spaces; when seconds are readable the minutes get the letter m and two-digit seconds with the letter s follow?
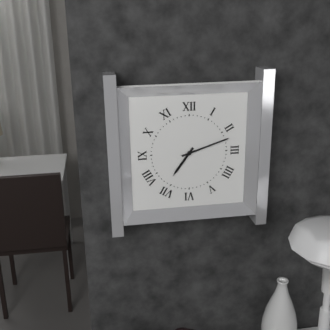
7h12
